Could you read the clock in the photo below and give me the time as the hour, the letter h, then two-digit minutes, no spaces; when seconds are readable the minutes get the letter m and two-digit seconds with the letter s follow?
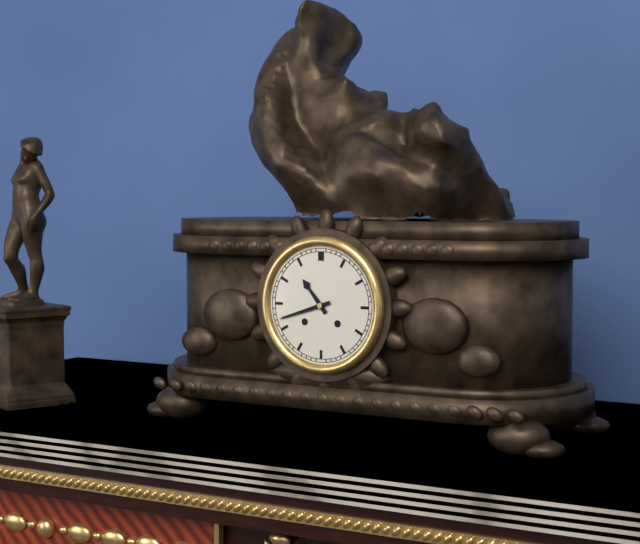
10h42
